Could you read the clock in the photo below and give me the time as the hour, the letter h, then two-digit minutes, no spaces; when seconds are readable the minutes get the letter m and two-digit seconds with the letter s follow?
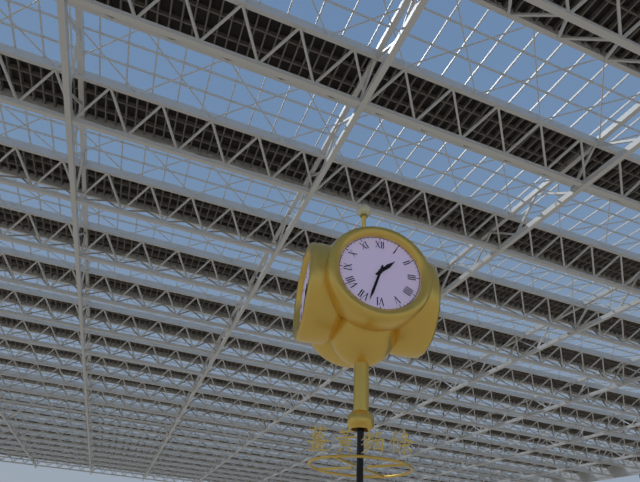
1h33
